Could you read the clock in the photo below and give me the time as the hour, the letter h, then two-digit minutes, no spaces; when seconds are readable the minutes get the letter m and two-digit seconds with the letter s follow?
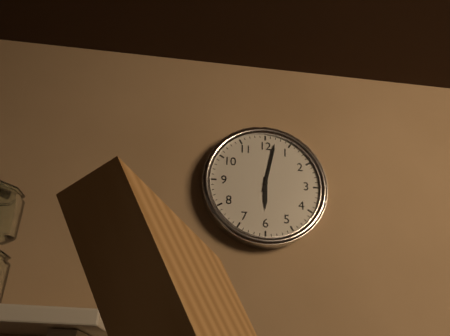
6h02
